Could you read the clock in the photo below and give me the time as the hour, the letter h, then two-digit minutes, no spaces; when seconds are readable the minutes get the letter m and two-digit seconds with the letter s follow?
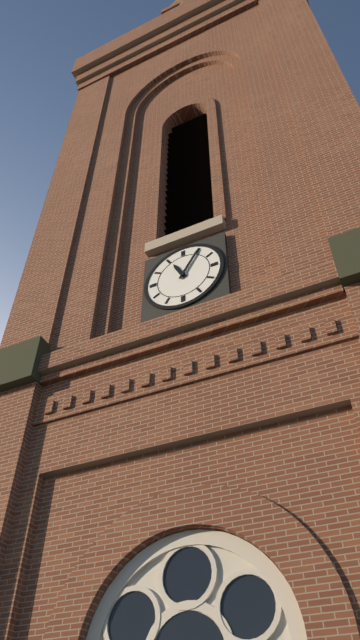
11h05
